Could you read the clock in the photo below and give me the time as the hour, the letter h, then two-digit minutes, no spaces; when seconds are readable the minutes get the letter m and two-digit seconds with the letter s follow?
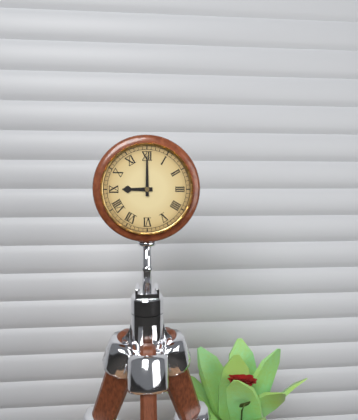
9h00
